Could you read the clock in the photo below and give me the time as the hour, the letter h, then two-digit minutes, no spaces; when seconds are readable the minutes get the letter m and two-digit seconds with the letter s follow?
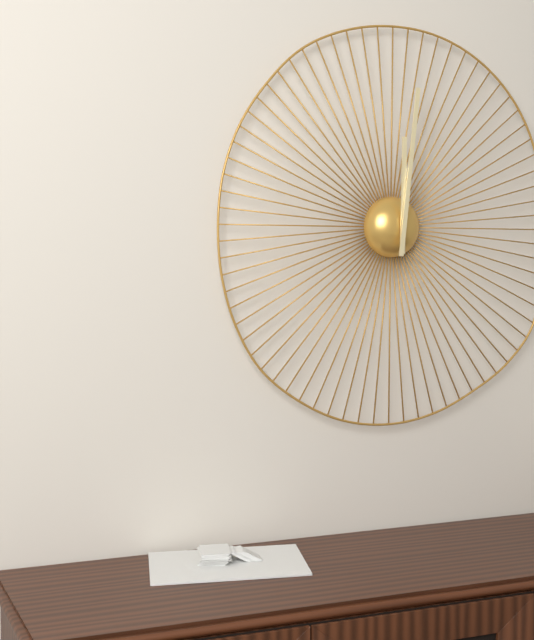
12h01
